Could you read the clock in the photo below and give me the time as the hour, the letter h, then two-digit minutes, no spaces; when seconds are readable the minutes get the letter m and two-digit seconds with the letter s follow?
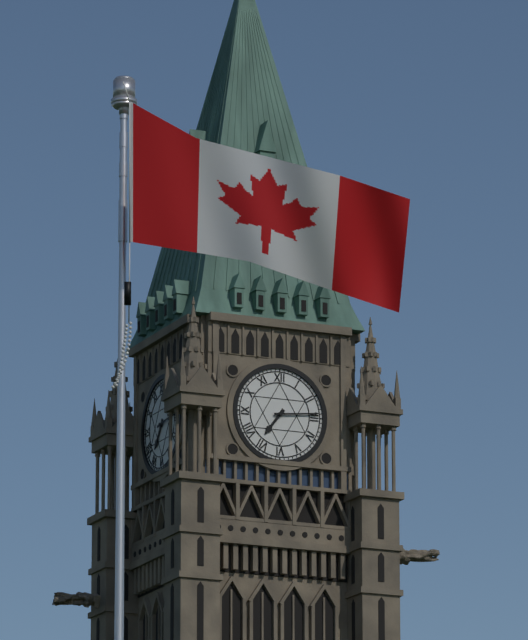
7h14
